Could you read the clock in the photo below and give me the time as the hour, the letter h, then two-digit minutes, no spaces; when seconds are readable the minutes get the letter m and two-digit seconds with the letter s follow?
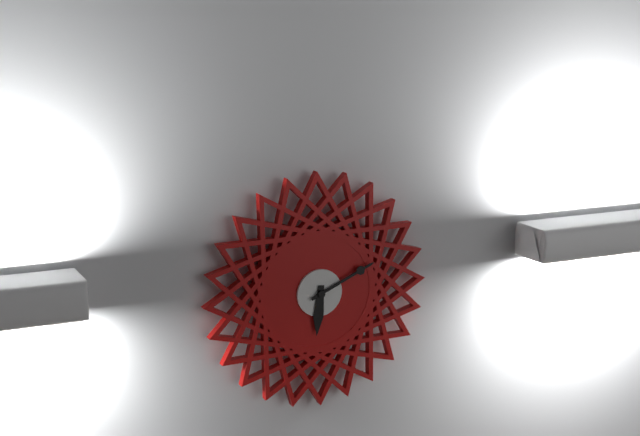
6h11
